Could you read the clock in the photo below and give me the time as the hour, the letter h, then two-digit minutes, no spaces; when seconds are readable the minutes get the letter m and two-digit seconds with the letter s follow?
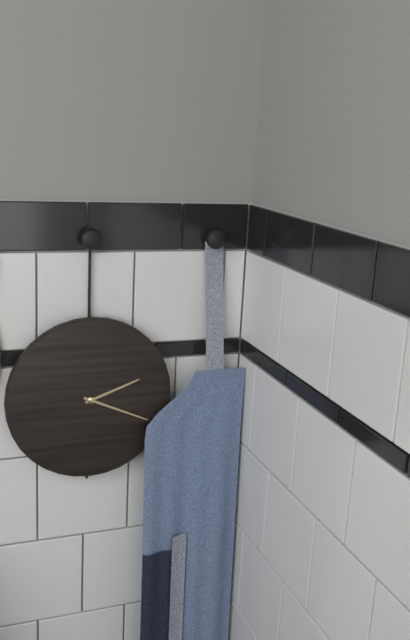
2h19
